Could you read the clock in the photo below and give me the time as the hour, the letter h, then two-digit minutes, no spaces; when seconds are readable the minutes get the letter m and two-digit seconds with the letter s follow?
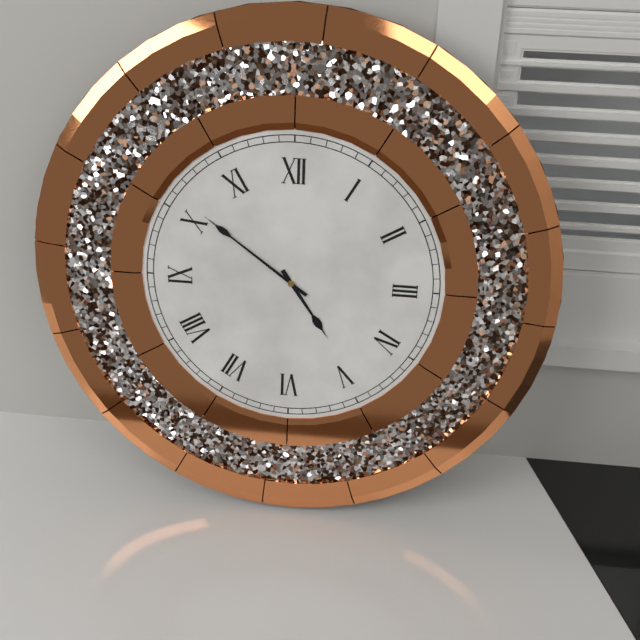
4h51
